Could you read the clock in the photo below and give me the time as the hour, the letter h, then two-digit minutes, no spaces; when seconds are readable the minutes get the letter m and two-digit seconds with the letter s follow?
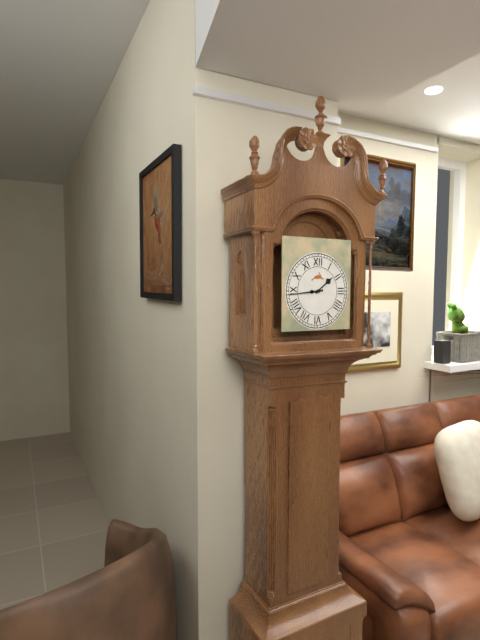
1h44
